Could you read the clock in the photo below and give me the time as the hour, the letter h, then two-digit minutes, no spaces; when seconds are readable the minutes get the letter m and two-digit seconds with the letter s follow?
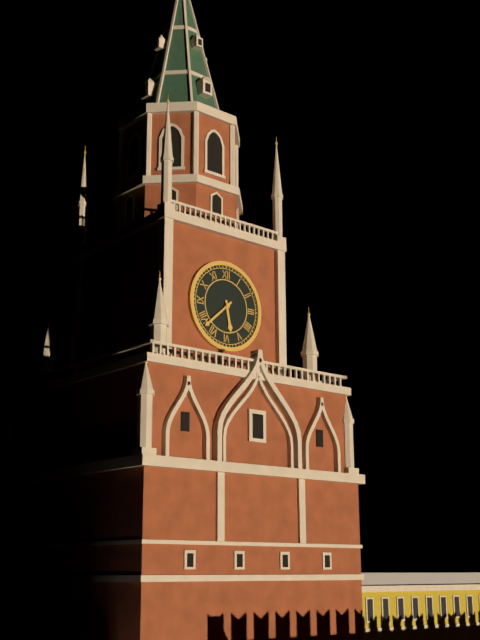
5h38
